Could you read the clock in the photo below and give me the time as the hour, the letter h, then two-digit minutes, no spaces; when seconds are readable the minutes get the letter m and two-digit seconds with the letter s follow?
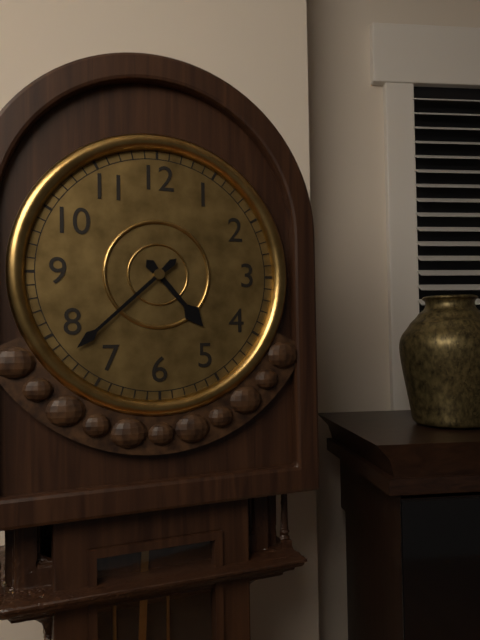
4h38
